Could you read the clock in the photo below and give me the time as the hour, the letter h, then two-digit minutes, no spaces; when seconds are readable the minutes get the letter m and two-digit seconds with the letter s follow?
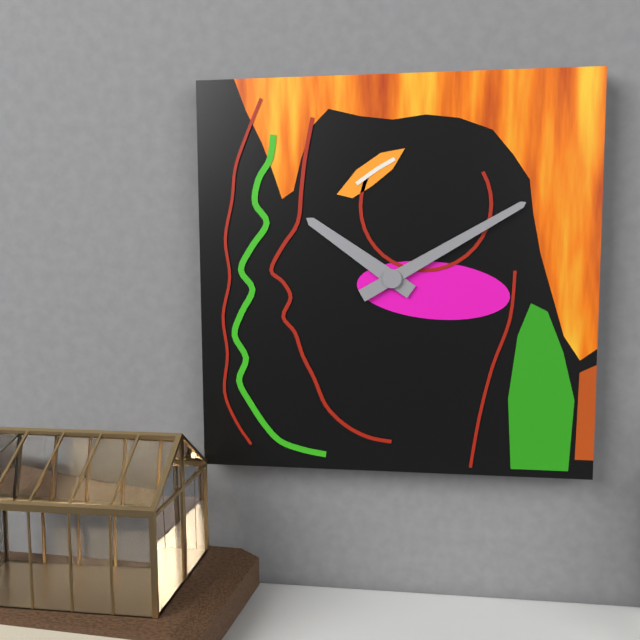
10h10
